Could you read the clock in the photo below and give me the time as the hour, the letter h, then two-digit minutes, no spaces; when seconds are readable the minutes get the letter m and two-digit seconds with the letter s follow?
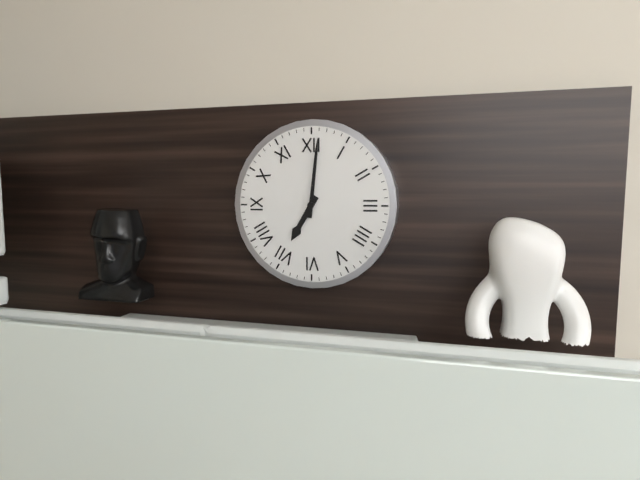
7h01
